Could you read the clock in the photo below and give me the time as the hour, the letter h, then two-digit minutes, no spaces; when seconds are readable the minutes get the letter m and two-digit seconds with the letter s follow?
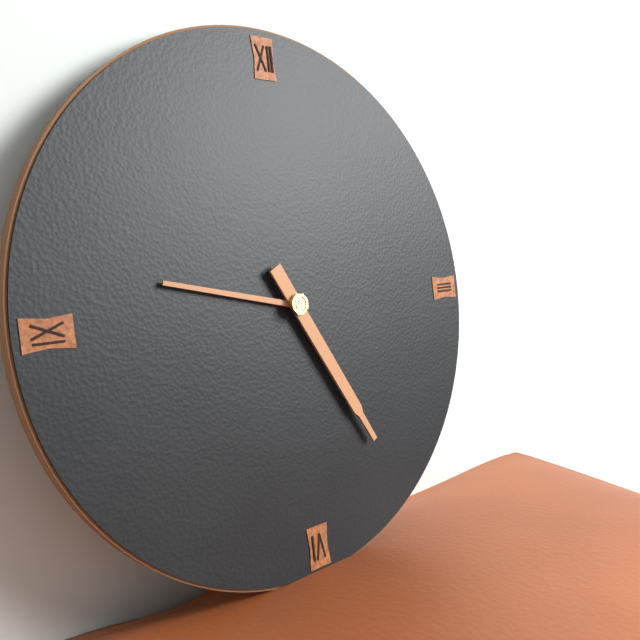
9h25
